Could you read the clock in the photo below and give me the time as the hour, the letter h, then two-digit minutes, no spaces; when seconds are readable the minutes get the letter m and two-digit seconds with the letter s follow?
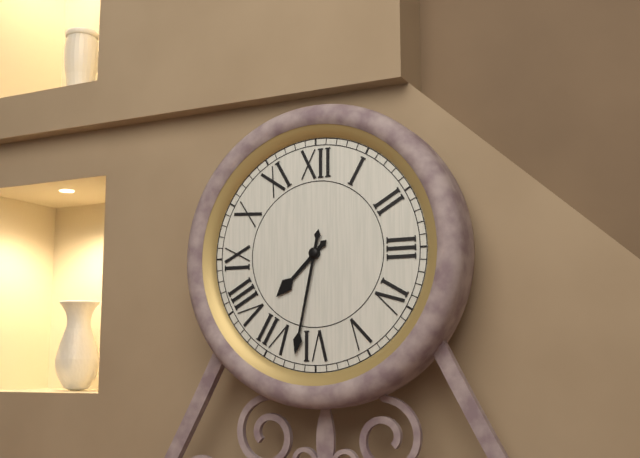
7h32
